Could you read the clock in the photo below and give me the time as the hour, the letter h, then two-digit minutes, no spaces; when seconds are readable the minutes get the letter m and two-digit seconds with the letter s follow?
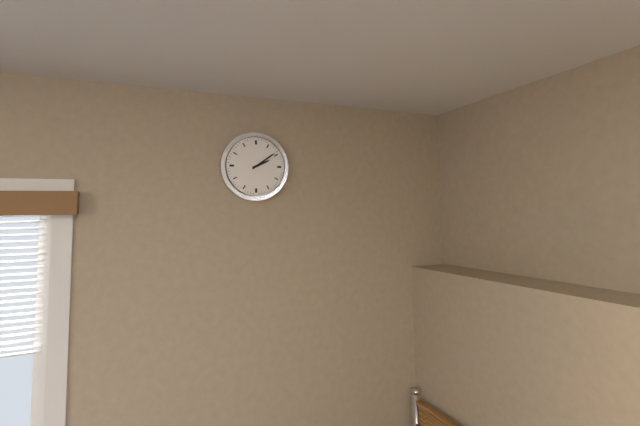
2h09
